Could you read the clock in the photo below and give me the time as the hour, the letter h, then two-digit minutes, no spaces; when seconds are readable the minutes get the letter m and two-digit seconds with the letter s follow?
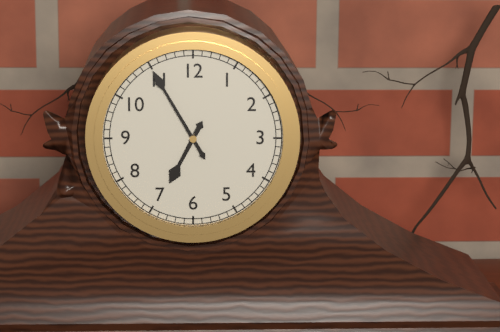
6h55
